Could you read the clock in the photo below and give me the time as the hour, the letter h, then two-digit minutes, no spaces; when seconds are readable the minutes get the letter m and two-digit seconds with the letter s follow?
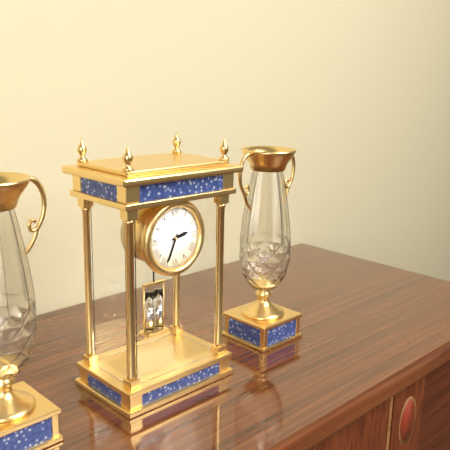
2h34
